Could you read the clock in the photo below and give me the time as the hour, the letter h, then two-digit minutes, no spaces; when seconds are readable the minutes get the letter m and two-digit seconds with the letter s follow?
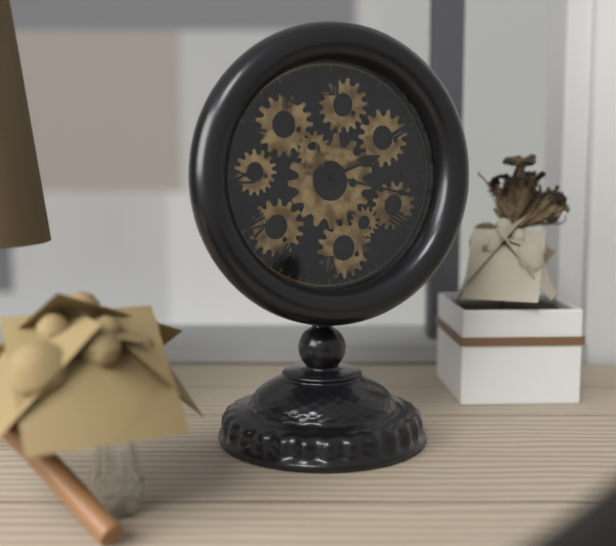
2h17
